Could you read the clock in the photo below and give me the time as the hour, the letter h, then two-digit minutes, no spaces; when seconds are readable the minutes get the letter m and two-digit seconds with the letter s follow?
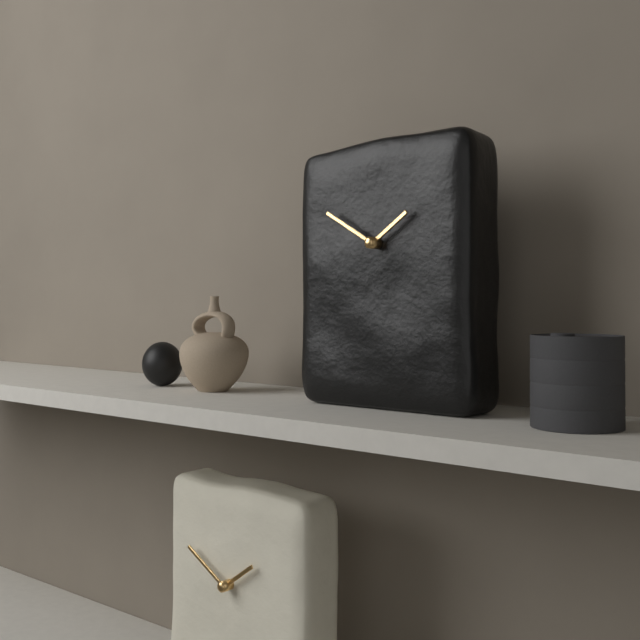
1h50
